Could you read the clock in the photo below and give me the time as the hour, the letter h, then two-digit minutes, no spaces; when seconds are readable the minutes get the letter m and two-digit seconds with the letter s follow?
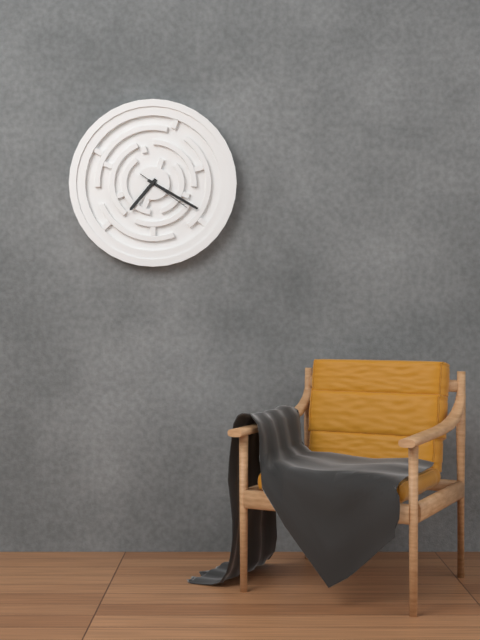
7h20m21s
